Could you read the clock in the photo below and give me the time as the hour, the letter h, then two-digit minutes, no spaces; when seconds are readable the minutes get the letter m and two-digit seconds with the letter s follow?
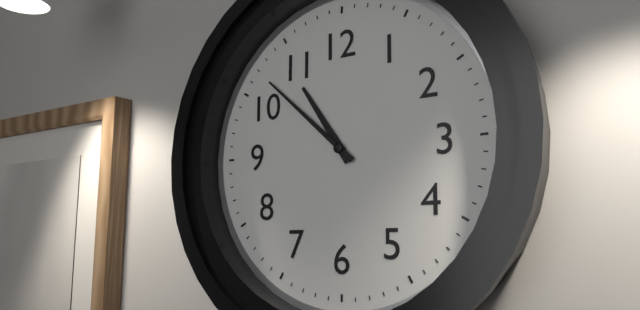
10h52
